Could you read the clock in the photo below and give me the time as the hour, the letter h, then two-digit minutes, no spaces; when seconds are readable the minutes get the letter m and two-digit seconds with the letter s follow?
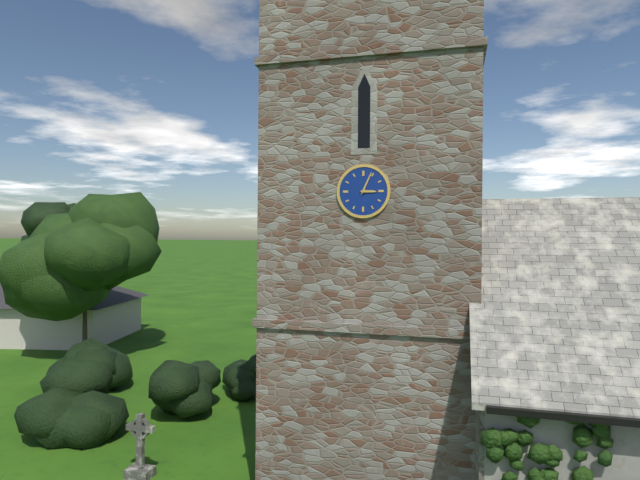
3h04
